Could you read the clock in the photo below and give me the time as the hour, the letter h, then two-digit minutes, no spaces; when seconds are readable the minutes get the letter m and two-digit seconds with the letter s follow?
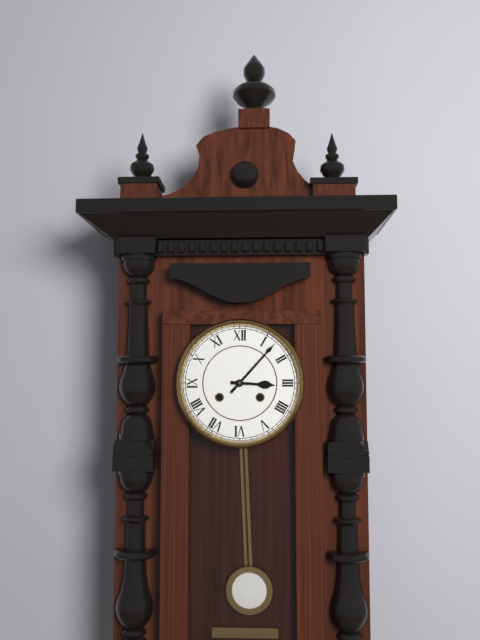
3h07
